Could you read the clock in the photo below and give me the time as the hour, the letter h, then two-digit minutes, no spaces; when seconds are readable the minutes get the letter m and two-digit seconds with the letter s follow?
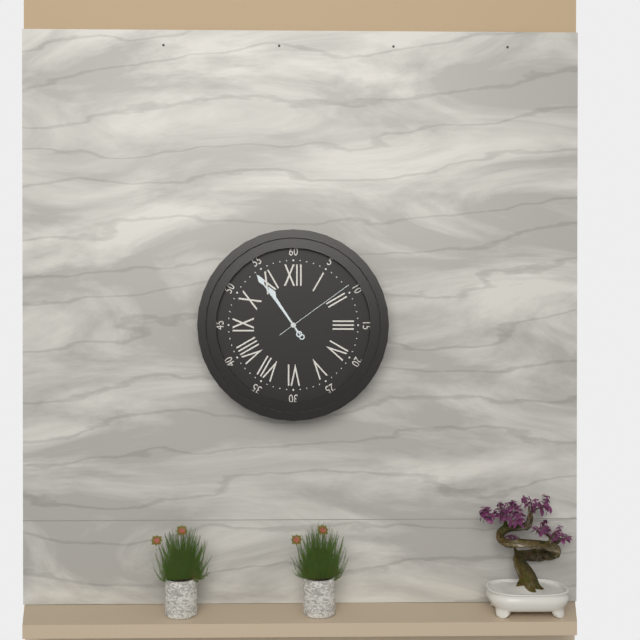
10h54m09s
